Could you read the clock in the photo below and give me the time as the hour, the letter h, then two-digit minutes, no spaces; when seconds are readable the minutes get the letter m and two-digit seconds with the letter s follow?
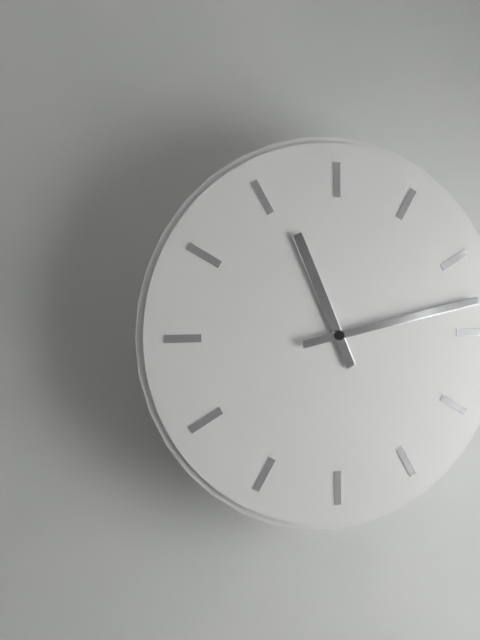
11h13
